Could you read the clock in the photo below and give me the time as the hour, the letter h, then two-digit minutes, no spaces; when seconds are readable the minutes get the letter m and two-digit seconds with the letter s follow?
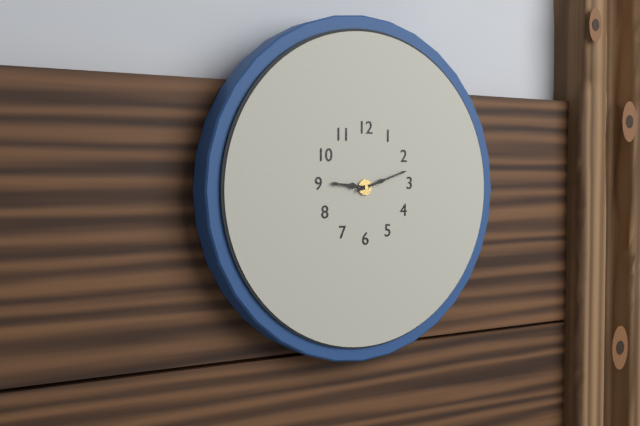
9h12
